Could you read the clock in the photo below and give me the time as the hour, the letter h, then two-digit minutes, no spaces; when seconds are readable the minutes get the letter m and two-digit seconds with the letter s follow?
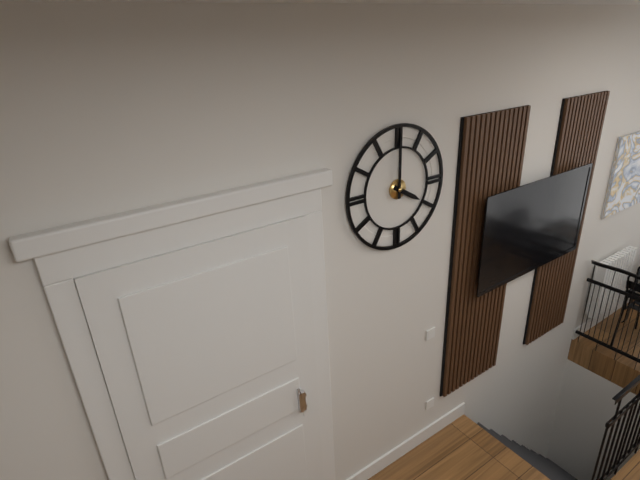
4h00
